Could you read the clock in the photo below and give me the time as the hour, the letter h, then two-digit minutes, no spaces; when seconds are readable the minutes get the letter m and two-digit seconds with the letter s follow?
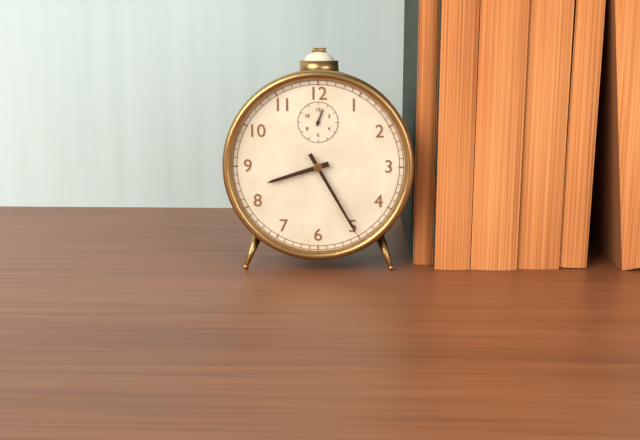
8h25
